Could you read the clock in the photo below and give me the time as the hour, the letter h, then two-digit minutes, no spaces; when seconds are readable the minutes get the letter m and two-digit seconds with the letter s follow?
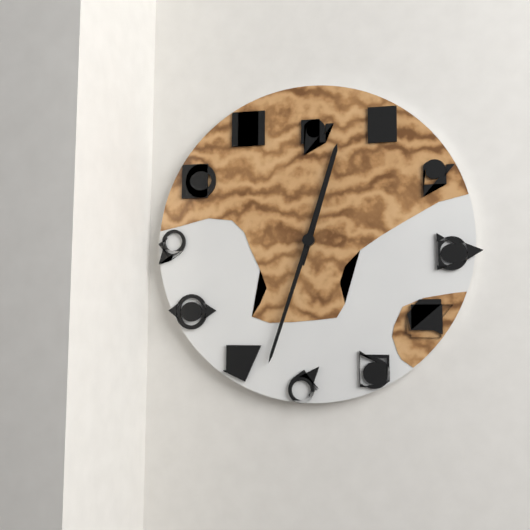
12h33
